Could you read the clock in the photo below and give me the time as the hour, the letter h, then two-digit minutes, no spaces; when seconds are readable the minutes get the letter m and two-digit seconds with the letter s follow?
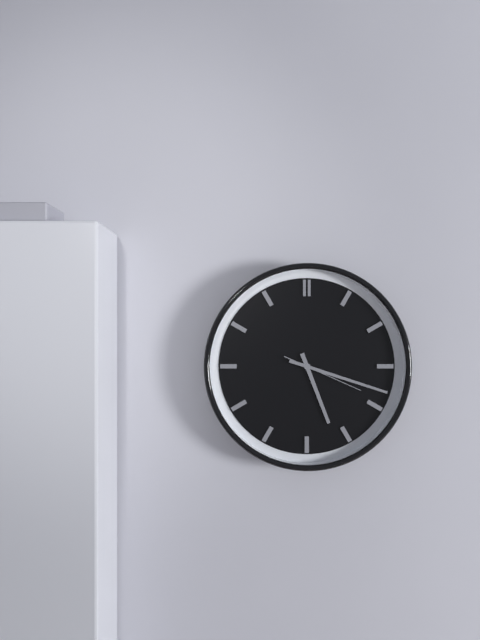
5h18m19s
